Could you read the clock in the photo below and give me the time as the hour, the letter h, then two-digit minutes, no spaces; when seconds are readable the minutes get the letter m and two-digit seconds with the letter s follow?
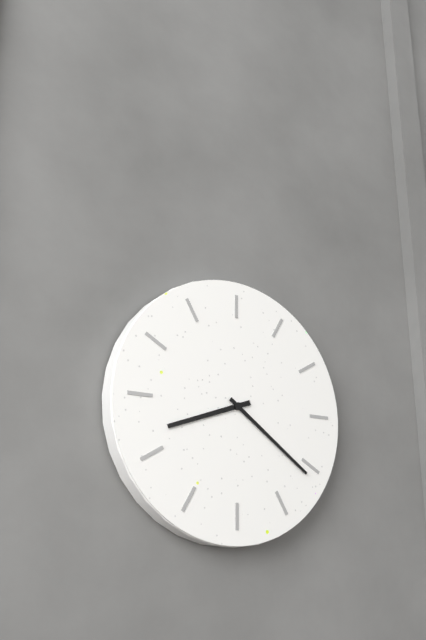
8h21
